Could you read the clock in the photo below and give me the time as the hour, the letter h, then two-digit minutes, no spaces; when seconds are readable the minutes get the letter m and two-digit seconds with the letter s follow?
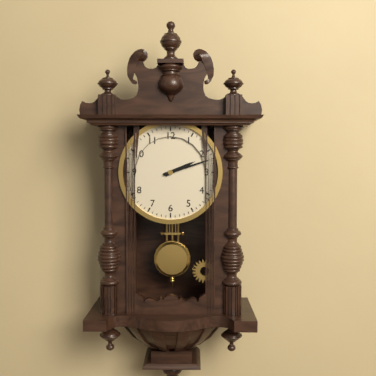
2h12
